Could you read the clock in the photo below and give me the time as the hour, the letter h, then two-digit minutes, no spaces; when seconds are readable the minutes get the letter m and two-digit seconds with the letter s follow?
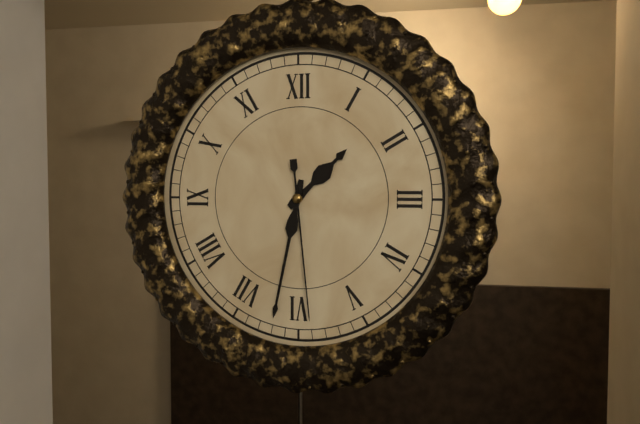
1h32m29s
